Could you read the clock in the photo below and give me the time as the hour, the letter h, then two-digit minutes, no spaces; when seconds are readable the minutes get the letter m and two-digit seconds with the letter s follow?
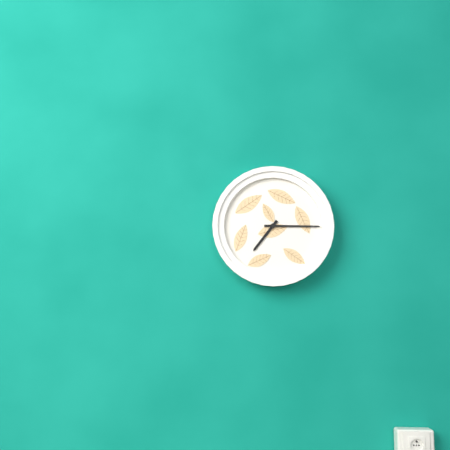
7h15
